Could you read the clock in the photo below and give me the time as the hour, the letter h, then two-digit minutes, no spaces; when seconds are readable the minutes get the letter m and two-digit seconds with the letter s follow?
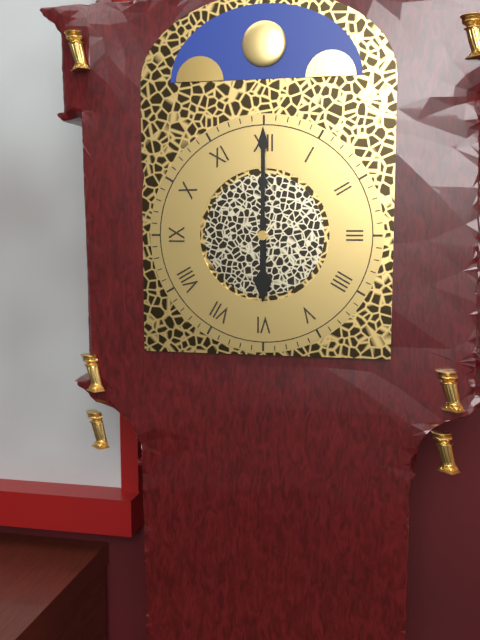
6h00
